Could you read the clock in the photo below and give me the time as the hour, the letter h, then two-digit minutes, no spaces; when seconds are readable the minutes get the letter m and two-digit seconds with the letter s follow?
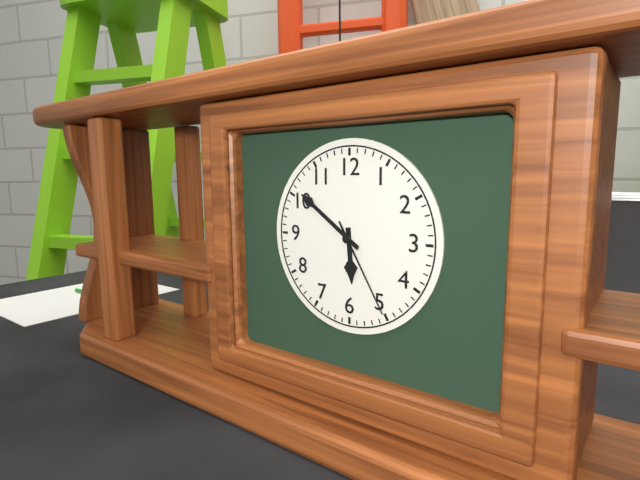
5h51m25s
